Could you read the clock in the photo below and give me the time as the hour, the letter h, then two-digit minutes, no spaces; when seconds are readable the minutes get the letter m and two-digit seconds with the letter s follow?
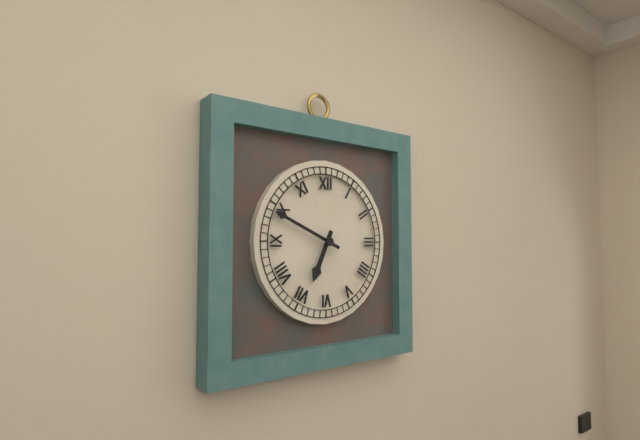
6h49
